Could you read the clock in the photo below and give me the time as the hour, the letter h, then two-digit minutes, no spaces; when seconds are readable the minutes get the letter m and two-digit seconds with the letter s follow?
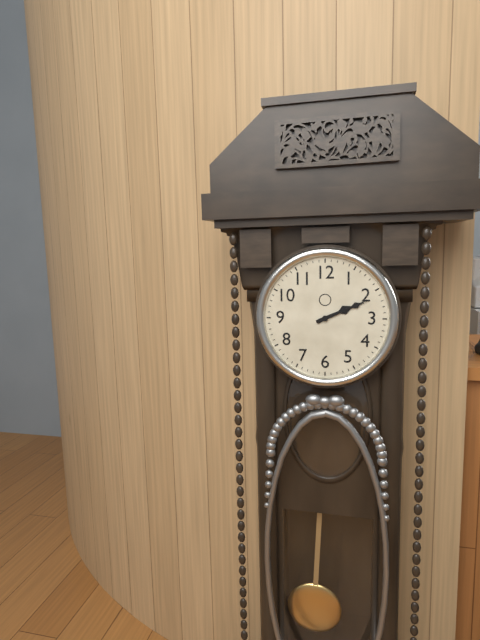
2h11
